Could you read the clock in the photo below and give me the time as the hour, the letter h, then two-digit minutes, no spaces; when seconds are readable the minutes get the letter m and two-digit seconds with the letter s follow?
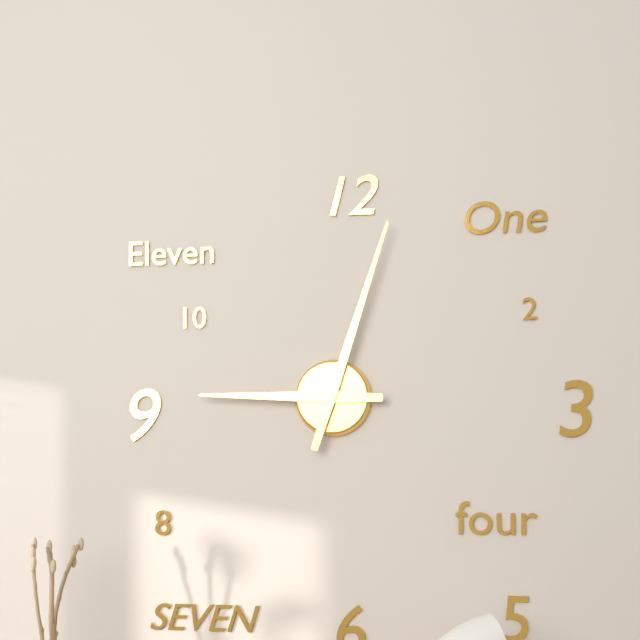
9h03
